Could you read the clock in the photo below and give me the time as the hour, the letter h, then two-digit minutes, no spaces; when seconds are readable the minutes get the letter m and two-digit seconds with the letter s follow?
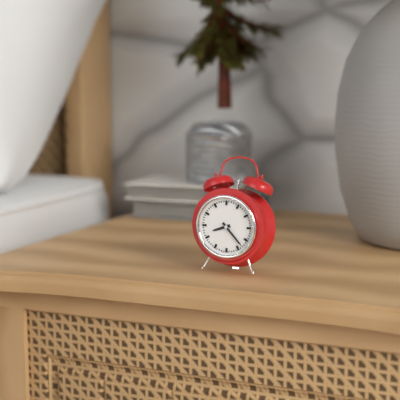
8h23
